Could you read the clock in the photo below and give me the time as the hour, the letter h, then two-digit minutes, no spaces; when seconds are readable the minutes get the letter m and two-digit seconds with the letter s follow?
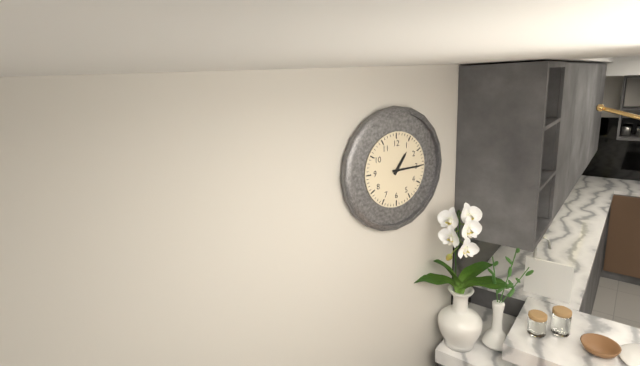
1h15
